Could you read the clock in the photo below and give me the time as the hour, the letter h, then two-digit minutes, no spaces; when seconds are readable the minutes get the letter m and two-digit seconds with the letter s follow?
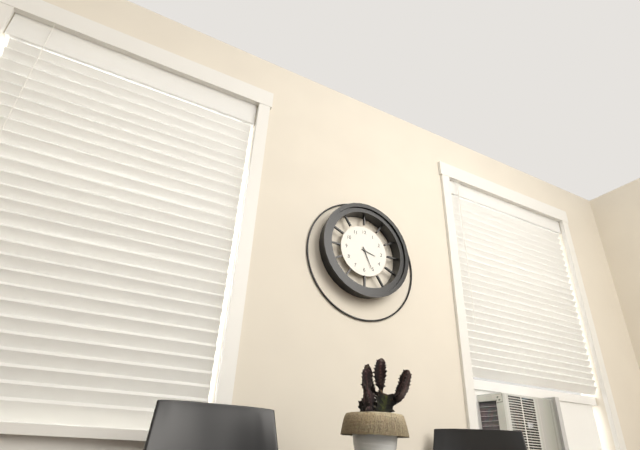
3h26
